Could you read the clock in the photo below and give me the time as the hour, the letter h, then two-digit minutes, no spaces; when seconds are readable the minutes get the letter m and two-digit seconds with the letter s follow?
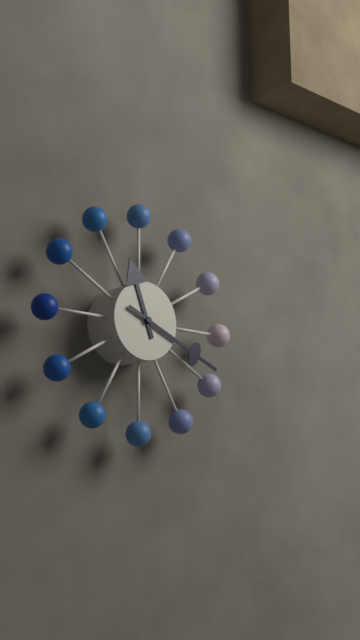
11h19
